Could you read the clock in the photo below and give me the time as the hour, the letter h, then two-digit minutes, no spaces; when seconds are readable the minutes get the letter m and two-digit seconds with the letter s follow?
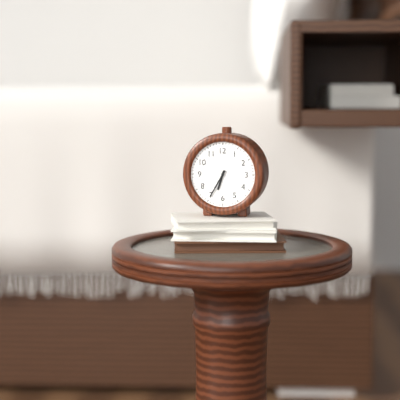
6h35
